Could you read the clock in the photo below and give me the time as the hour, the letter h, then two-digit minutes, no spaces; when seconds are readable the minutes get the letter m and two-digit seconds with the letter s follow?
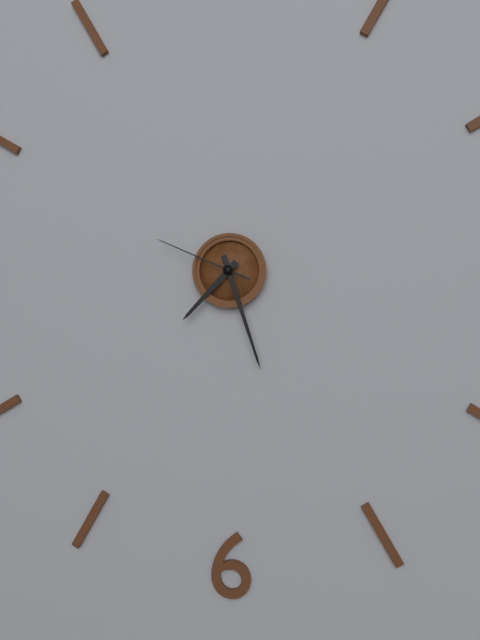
7h27m49s
